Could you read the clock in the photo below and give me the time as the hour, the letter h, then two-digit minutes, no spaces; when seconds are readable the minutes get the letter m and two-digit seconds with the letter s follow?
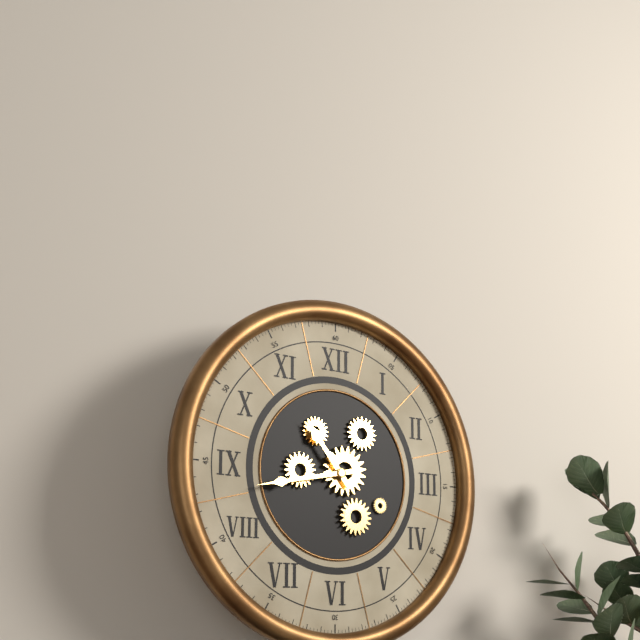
10h43
